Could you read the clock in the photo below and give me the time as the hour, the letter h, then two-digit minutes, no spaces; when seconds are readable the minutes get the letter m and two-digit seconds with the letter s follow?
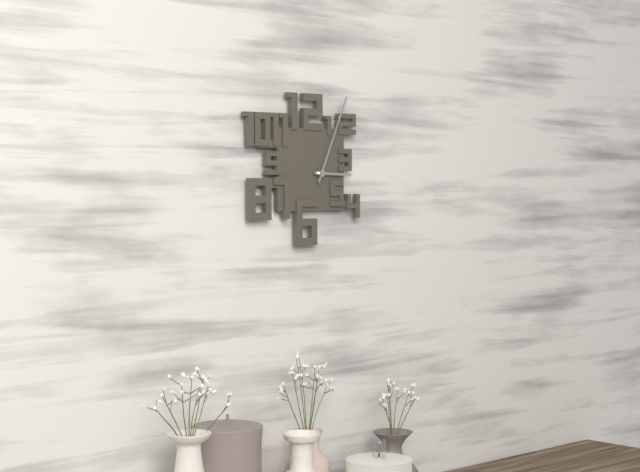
3h04
